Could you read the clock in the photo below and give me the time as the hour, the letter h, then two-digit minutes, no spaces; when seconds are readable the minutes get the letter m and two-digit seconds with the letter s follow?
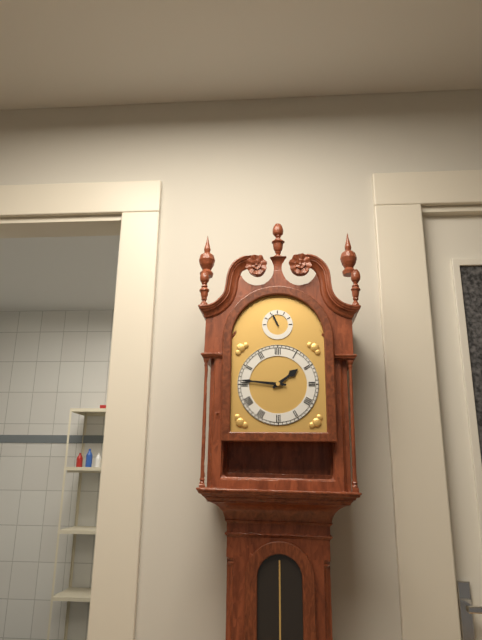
1h46
